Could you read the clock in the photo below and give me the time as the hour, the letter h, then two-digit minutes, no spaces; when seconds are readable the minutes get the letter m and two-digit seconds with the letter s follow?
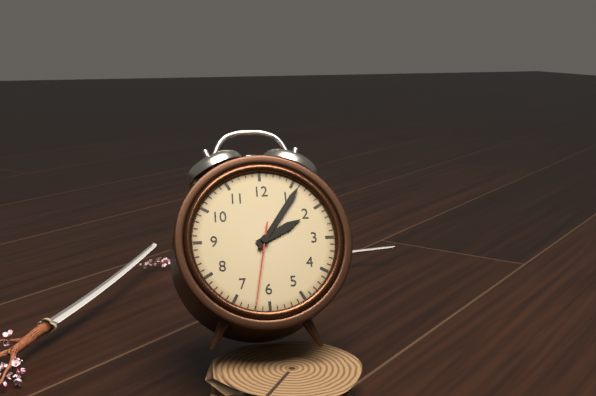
2h06m32s
